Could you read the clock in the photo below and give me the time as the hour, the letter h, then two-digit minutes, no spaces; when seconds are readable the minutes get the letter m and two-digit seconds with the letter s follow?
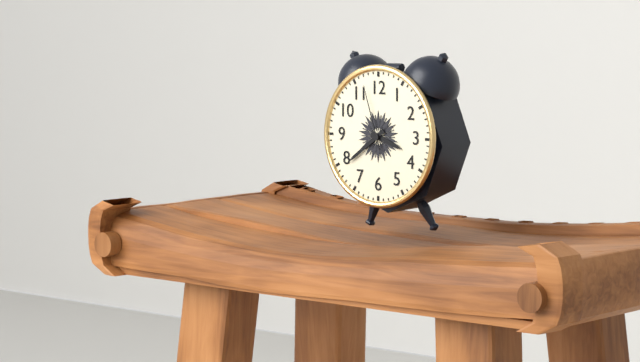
3h39m57s
